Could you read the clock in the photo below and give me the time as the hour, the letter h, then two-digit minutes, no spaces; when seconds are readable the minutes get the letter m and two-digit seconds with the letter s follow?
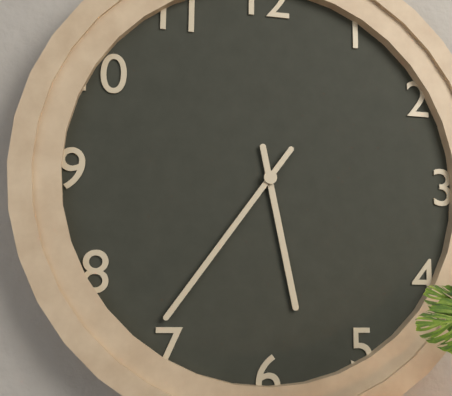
5h36
